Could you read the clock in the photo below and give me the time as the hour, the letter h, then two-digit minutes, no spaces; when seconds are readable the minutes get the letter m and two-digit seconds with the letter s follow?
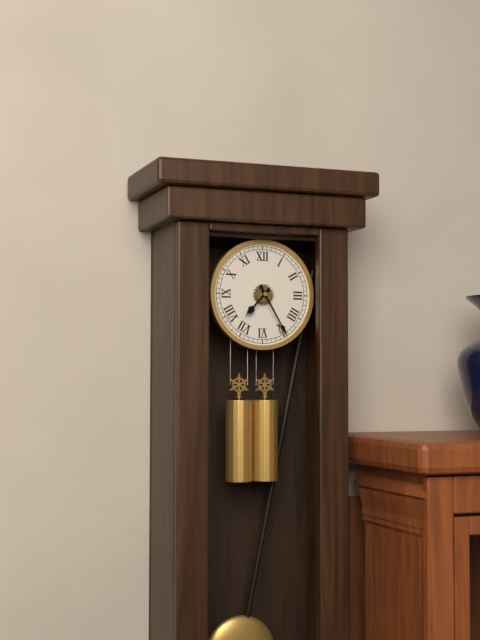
7h25
